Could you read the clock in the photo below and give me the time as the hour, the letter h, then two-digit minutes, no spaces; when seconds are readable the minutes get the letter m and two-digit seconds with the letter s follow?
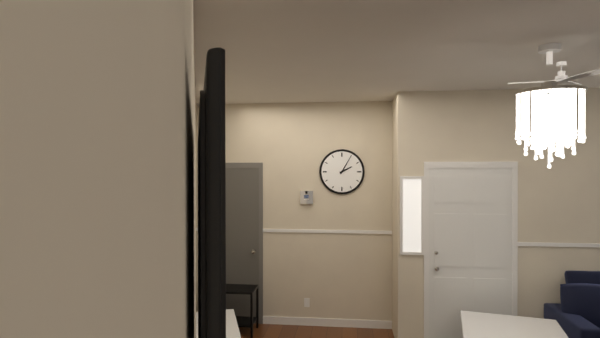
2h05
